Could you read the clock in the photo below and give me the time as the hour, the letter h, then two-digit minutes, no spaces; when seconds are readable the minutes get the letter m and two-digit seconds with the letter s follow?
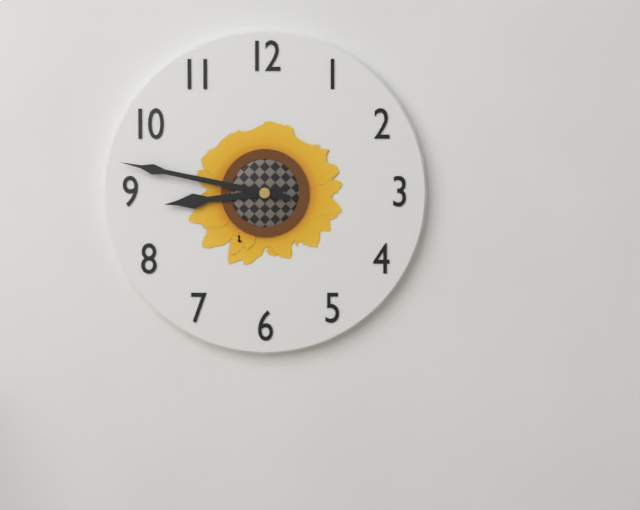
8h47
